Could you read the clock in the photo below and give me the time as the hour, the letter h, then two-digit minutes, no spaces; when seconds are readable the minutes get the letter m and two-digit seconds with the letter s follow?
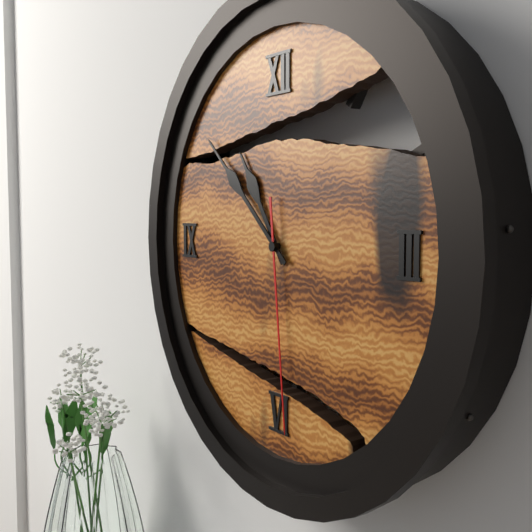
10h52m29s
